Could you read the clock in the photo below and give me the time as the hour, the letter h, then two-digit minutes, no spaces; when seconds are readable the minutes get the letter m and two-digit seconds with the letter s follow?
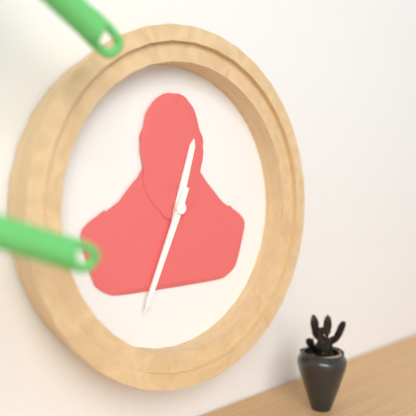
12h34
